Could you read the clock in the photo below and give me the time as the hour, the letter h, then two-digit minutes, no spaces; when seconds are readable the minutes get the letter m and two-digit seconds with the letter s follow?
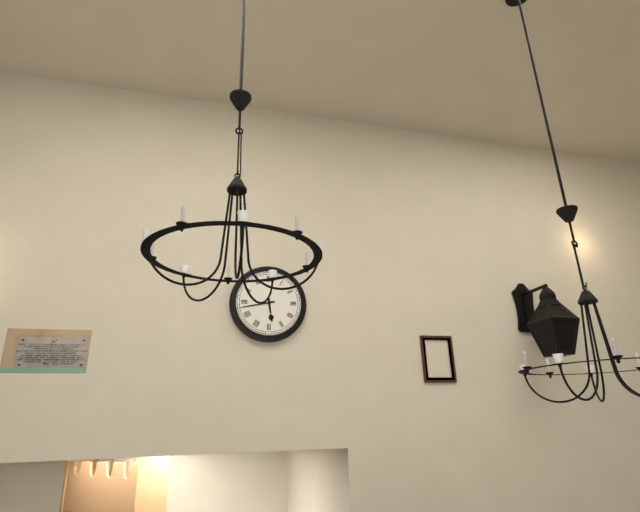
5h43
